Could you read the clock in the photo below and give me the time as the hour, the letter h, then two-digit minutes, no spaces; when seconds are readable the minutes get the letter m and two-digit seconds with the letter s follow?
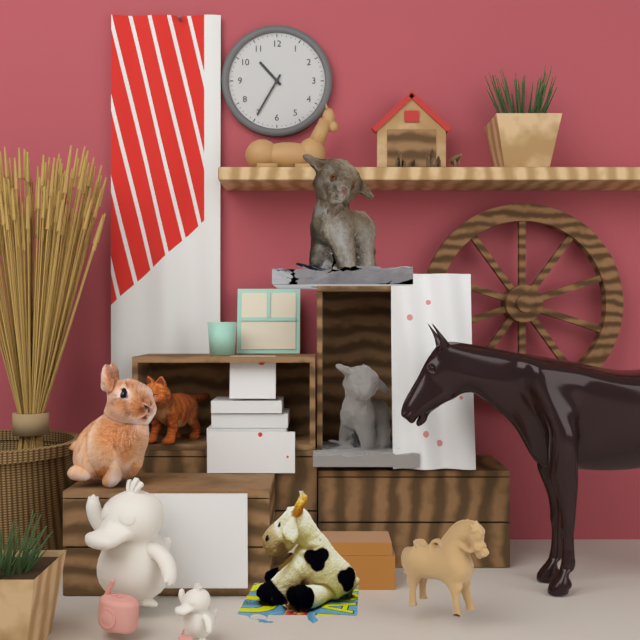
10h35
